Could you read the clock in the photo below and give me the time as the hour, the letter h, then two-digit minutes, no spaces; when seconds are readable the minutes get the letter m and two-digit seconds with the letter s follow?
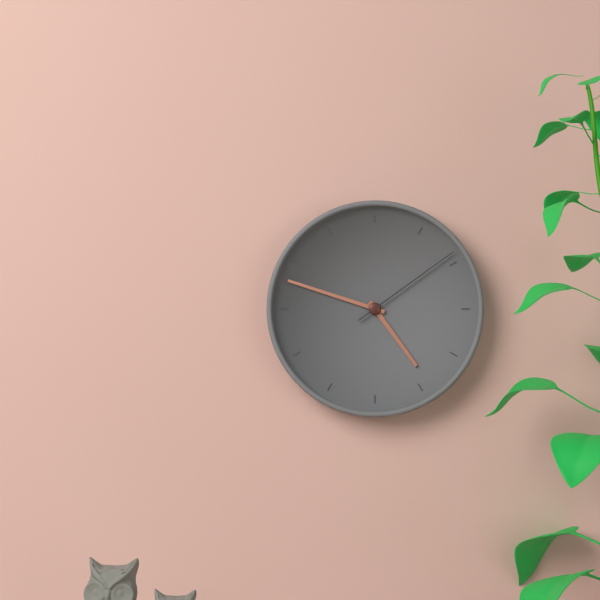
4h48m09s
